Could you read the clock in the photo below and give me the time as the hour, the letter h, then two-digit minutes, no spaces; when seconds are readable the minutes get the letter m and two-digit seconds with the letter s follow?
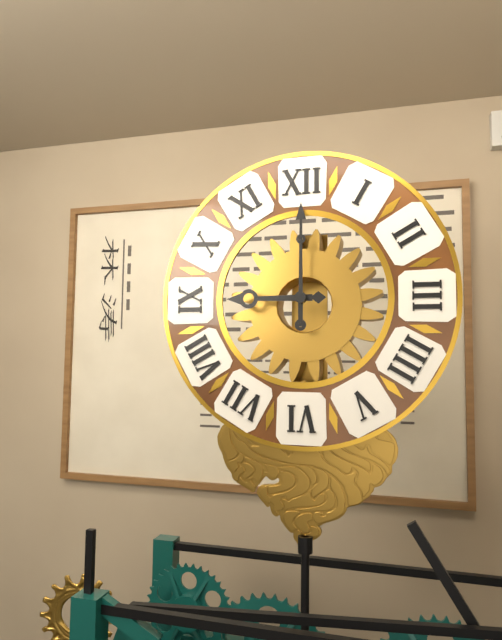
9h00
